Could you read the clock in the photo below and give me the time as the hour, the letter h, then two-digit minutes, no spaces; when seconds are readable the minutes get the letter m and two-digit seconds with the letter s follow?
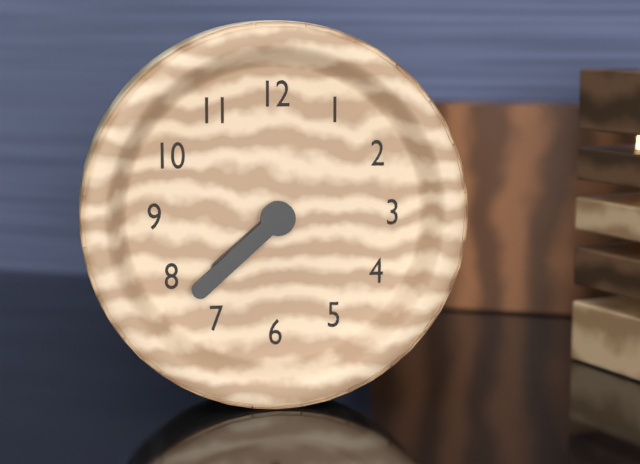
7h38
